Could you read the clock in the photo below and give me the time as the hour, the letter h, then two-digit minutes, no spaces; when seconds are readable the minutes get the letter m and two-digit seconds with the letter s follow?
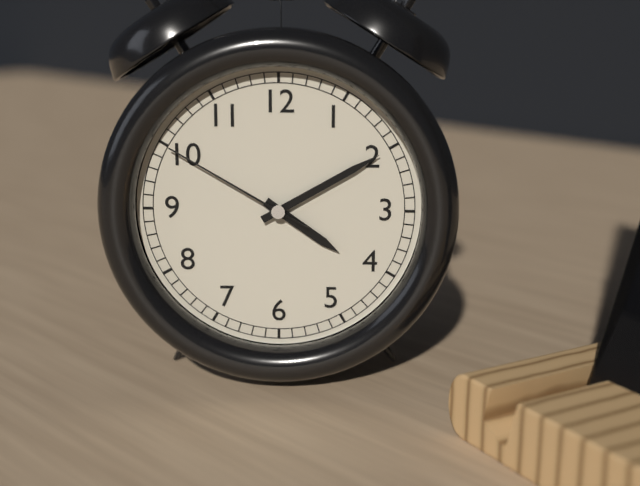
4h10m50s
